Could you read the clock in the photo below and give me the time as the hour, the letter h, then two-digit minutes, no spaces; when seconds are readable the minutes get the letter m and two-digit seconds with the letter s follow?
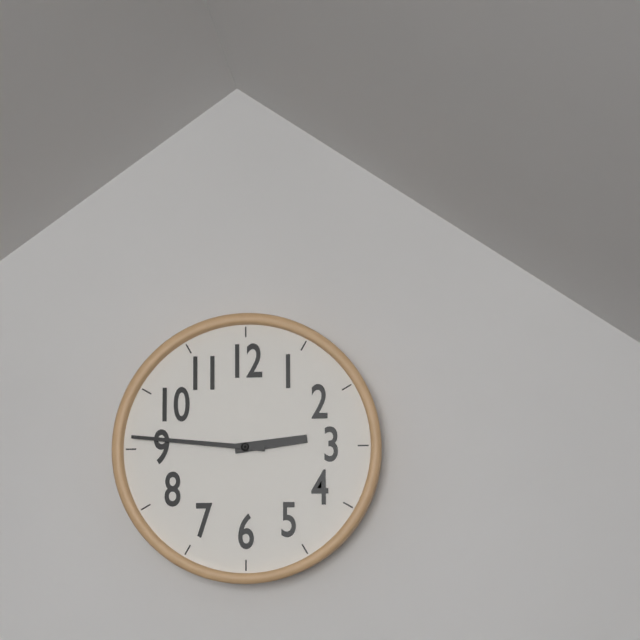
2h46
